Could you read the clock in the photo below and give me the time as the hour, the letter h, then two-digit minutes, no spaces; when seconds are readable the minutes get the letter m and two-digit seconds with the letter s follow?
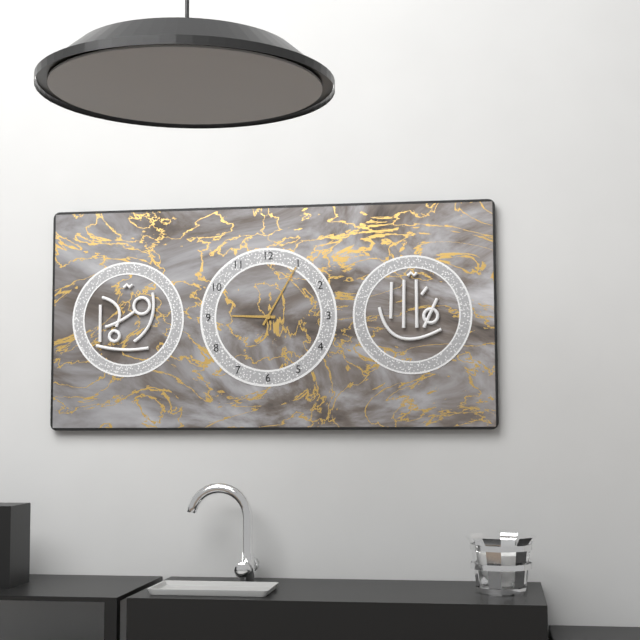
9h05
